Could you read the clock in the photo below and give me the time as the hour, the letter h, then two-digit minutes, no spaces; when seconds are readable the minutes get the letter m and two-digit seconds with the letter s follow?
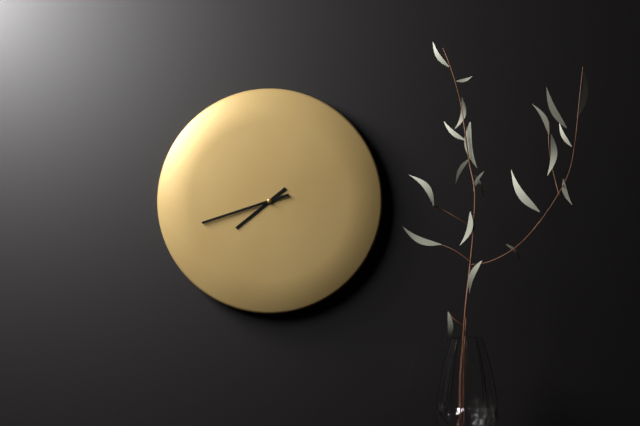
7h42
